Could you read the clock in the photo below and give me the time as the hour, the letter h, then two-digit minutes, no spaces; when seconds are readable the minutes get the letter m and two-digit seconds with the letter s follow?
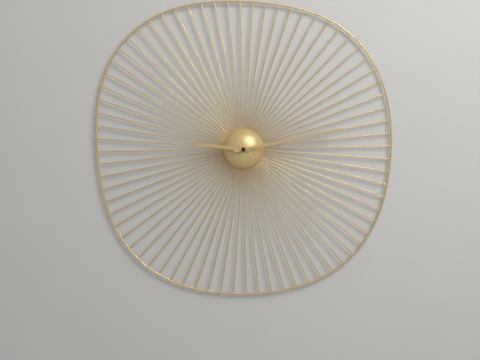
9h13
